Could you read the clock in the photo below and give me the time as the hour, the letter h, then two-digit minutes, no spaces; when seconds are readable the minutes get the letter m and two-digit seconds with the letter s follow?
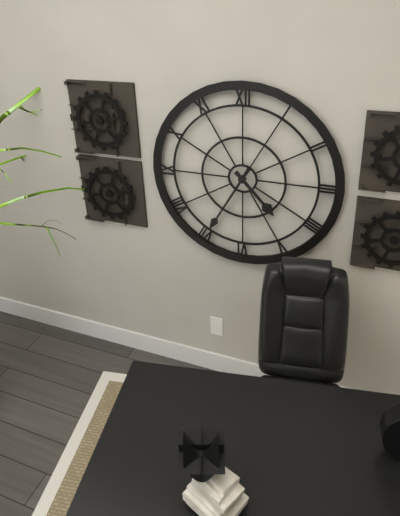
4h35
